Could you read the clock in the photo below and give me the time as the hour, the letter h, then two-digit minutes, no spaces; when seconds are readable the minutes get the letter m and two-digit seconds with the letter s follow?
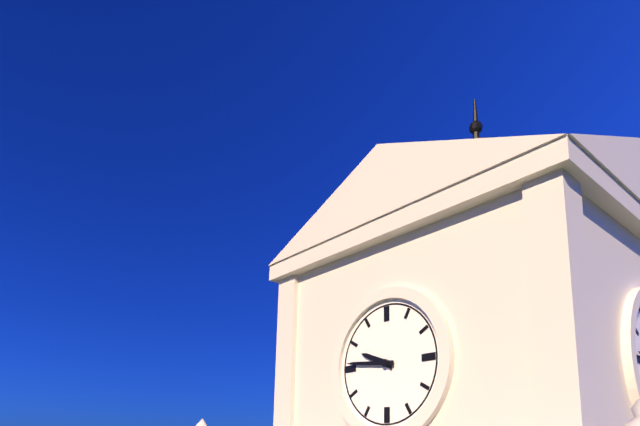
9h46
